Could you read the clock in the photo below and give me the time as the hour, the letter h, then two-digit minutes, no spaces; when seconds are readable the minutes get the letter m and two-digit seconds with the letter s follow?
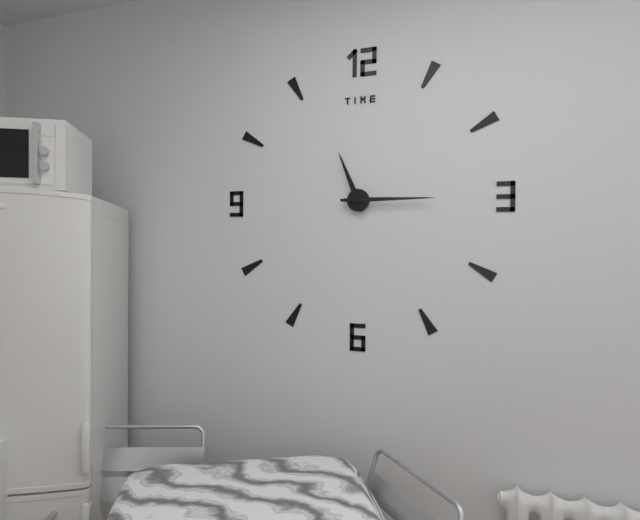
11h15
